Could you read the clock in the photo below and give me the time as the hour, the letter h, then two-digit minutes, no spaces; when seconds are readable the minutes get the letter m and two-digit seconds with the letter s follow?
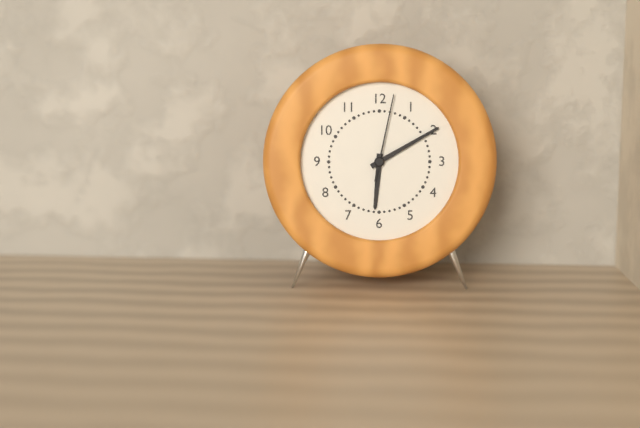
6h10m02s
